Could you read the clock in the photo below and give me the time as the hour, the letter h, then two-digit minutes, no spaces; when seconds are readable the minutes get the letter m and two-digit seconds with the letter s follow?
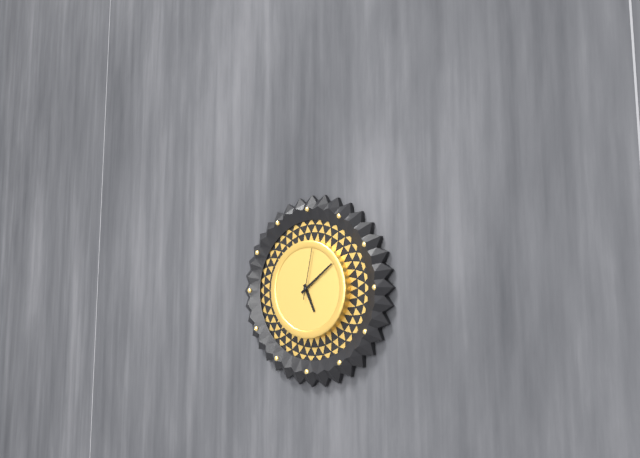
5h09m02s
